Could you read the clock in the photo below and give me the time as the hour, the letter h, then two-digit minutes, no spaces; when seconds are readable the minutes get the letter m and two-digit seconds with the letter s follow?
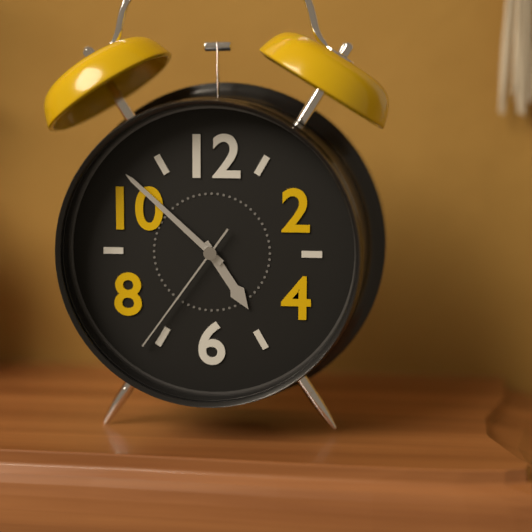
4h52m36s
